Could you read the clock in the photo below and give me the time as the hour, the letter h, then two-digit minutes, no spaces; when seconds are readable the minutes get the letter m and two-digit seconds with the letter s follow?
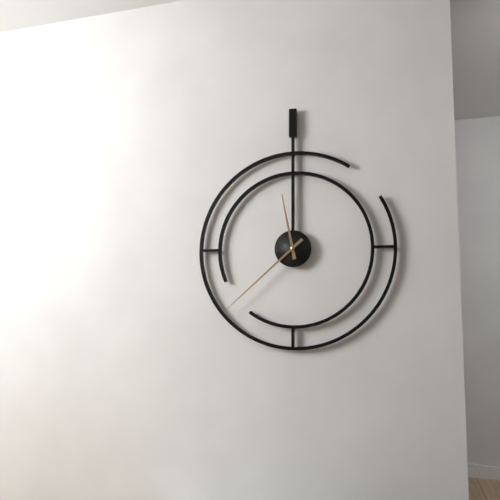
11h38
